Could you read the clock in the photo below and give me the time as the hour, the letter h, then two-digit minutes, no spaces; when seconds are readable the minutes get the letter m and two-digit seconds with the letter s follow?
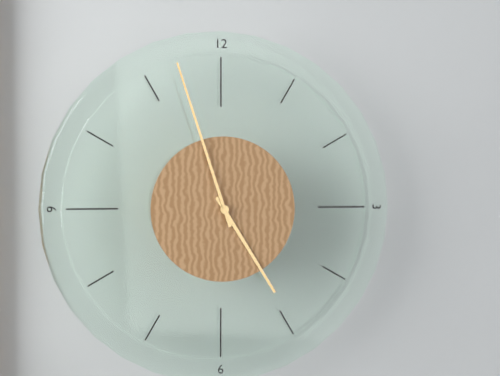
4h57
